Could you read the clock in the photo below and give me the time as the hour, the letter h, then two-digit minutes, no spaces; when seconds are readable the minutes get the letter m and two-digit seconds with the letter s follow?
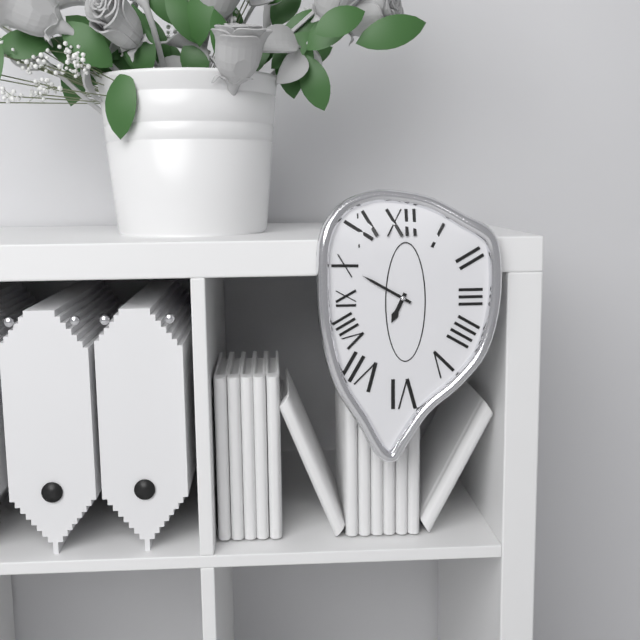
6h50
